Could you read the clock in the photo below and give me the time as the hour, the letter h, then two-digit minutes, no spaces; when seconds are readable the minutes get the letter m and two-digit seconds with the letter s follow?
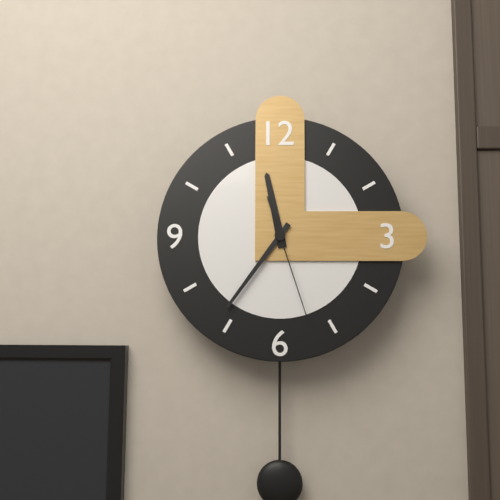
11h36m27s
